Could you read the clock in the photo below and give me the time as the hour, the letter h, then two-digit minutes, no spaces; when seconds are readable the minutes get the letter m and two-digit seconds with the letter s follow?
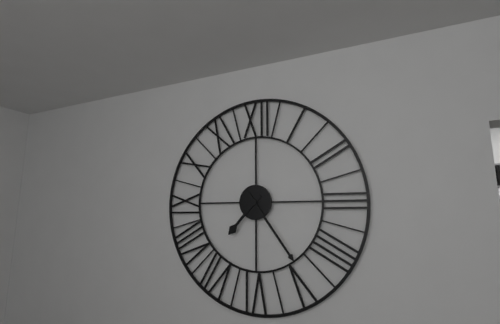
7h24
